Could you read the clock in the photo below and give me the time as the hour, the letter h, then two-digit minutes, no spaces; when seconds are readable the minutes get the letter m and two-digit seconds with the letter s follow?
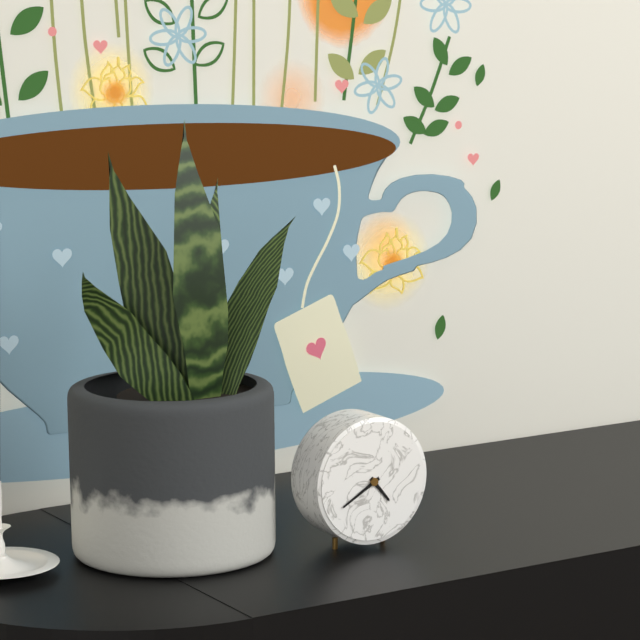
4h40
